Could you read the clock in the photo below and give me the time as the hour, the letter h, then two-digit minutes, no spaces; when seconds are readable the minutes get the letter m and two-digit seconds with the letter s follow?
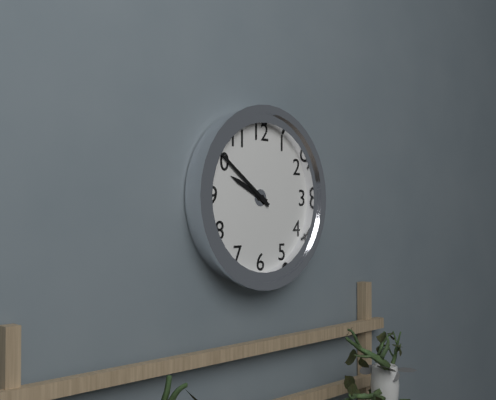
9h51
